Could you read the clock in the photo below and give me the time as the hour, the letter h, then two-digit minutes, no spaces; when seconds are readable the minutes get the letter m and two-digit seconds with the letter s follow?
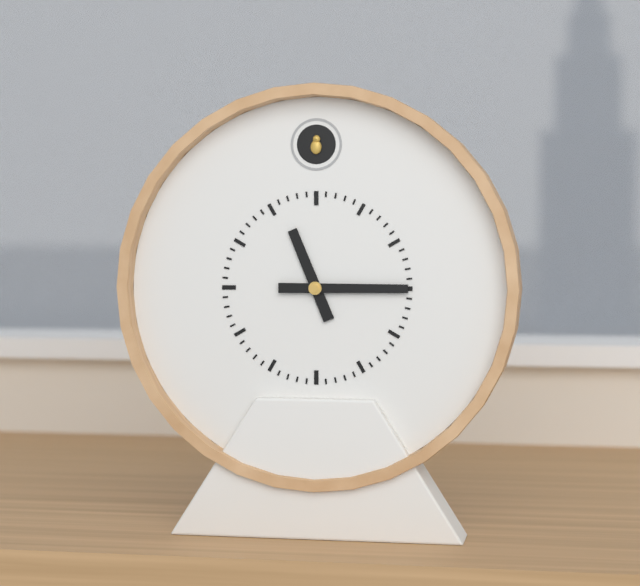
11h15
